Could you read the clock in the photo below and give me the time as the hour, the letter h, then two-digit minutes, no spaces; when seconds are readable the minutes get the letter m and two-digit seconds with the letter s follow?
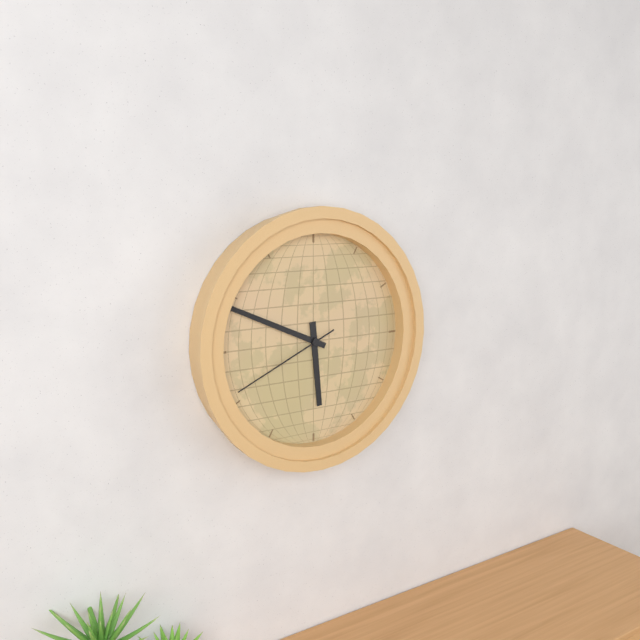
5h49m41s
